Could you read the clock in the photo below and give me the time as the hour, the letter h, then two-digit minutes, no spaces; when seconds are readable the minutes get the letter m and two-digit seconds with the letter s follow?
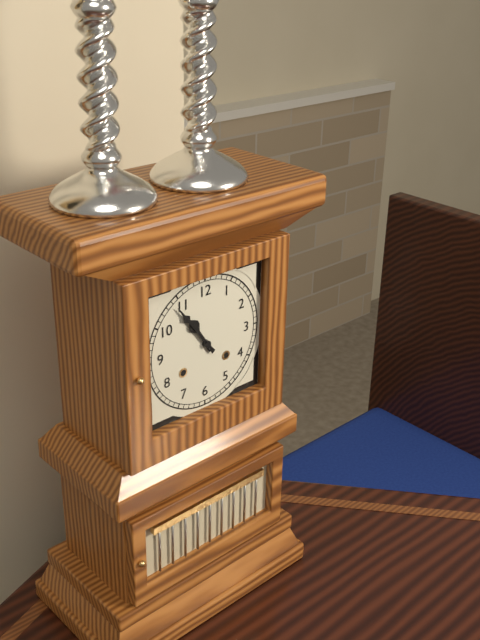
10h54
